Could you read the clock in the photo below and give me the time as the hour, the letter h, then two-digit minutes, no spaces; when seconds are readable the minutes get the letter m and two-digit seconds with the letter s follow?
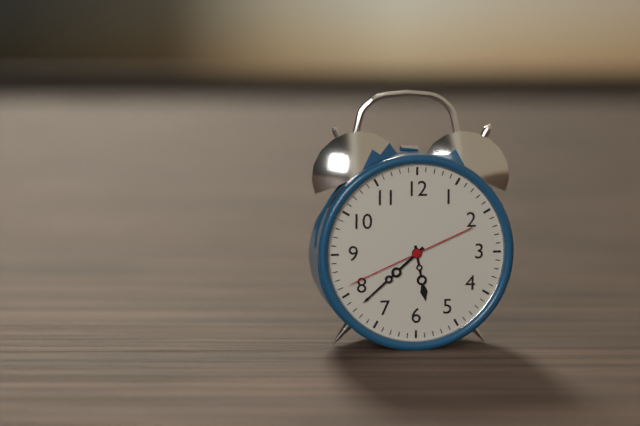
5h38m41s
